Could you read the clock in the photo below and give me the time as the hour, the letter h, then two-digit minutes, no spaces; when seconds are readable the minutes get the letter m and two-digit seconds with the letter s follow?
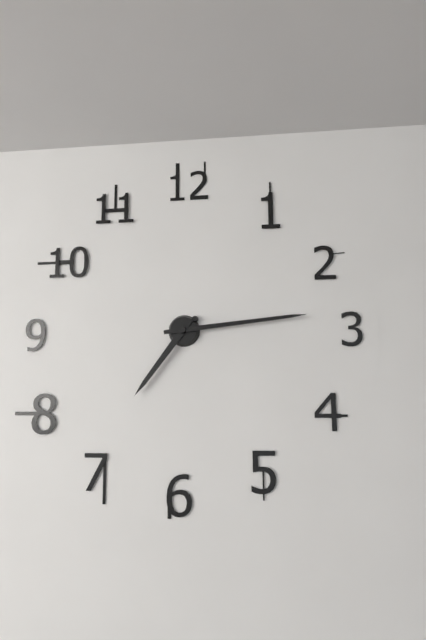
7h14
